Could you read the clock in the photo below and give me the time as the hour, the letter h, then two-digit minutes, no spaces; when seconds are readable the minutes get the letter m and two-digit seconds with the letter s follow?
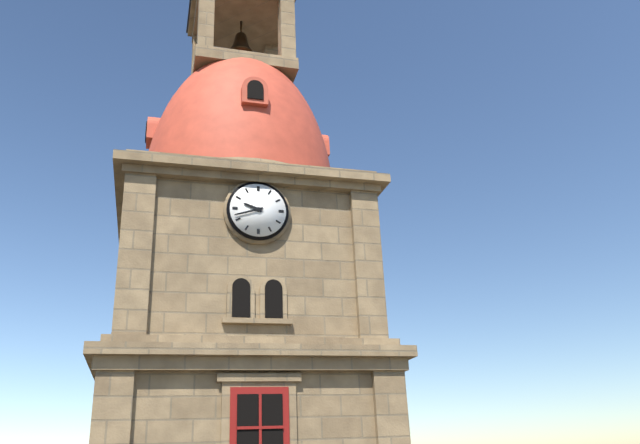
9h42
